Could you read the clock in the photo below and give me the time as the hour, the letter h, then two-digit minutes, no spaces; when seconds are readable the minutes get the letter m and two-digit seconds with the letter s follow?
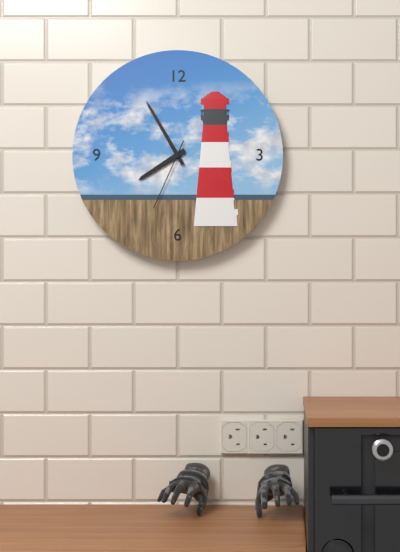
7h55m34s
